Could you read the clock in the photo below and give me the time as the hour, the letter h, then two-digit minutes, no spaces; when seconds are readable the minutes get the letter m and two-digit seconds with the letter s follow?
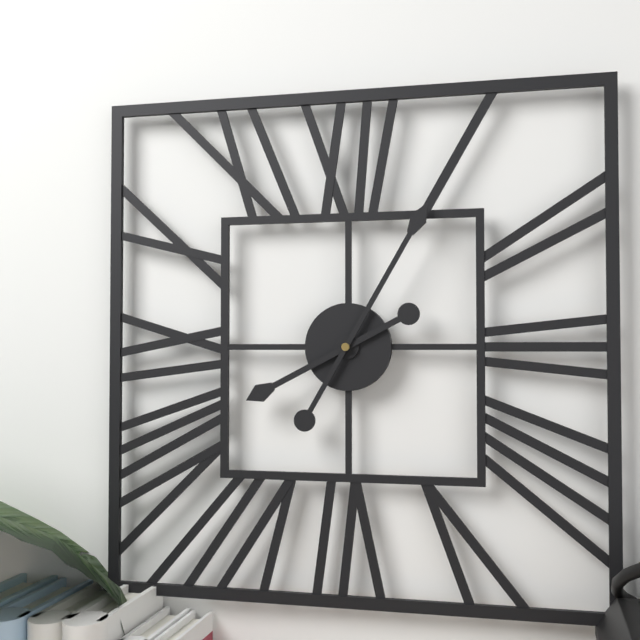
8h05
